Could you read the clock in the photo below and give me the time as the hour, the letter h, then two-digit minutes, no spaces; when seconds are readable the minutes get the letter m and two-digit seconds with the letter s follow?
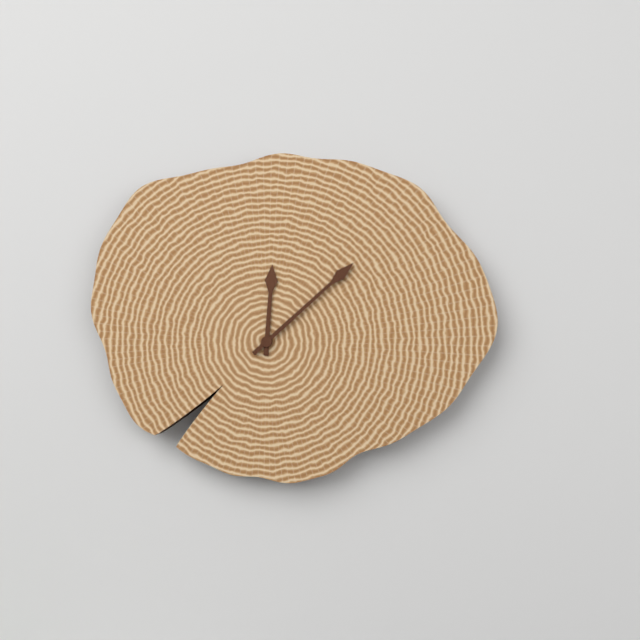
12h08
